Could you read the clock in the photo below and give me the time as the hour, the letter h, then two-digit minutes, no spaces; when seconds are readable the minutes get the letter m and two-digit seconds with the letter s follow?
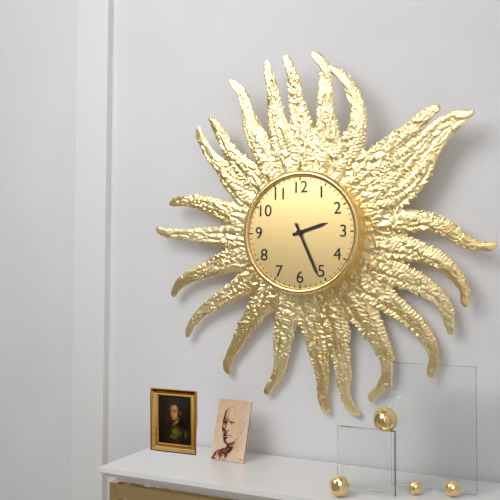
2h26
